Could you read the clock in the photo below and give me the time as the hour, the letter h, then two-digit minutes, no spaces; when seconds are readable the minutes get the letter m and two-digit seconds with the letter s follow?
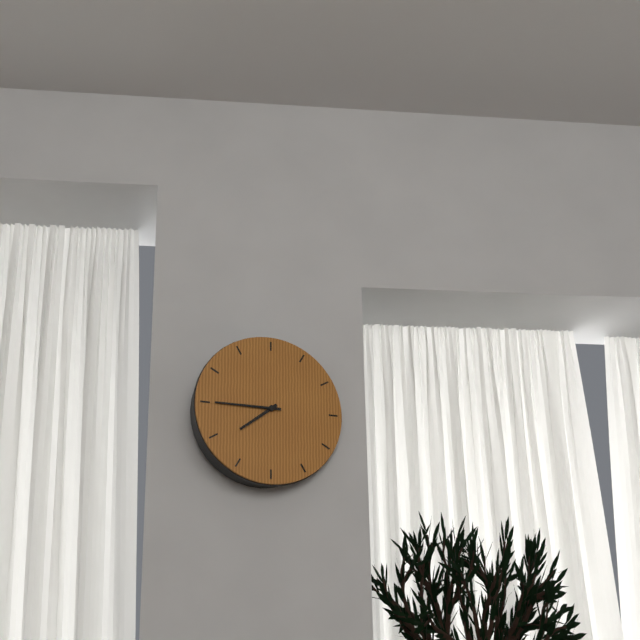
7h45
